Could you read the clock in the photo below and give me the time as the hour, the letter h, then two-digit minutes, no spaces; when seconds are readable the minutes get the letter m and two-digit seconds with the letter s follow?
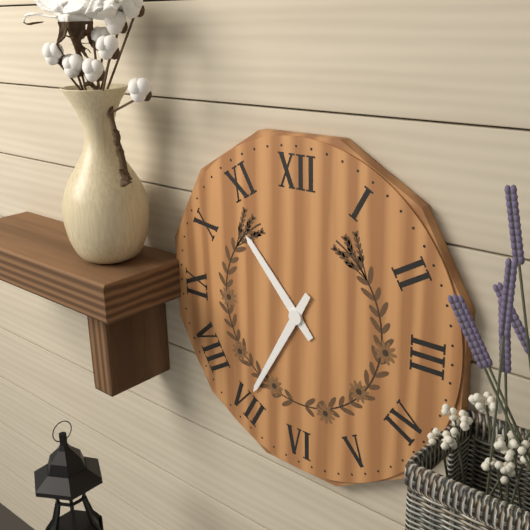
10h35
